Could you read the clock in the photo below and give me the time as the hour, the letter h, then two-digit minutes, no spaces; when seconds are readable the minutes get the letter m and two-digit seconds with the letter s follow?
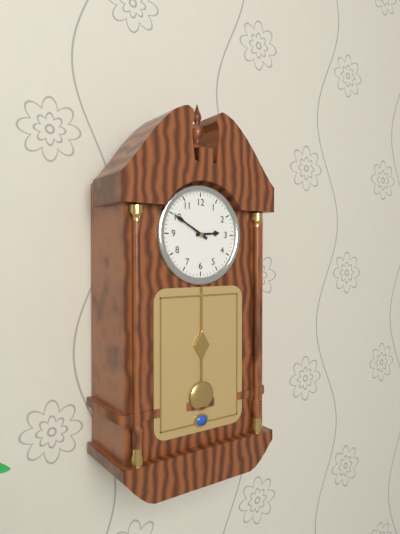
2h50
